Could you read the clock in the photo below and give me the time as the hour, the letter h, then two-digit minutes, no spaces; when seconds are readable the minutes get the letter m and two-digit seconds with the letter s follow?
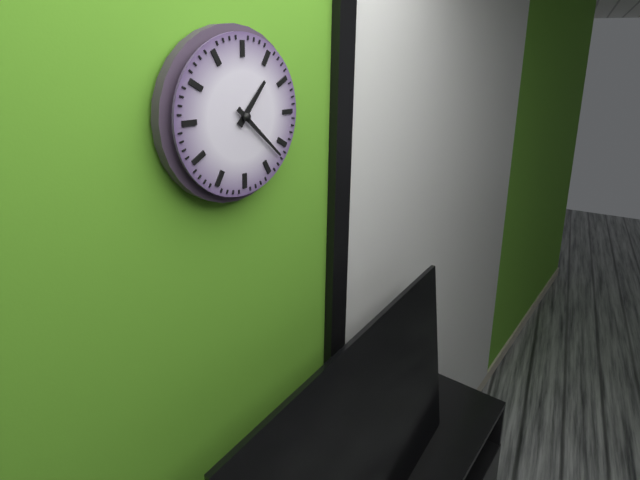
1h22
